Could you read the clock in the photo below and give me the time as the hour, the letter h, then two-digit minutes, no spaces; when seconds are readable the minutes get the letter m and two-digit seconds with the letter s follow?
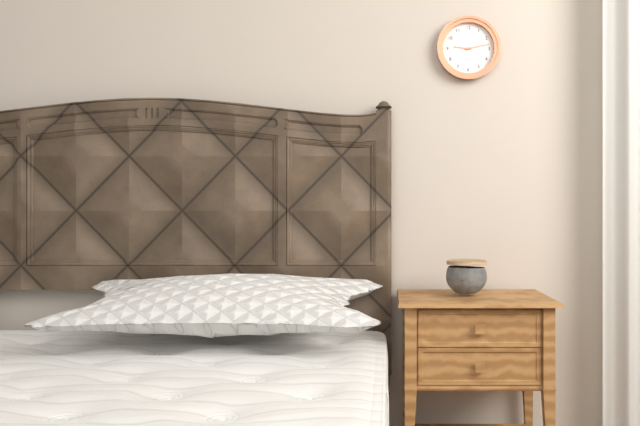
9h13
